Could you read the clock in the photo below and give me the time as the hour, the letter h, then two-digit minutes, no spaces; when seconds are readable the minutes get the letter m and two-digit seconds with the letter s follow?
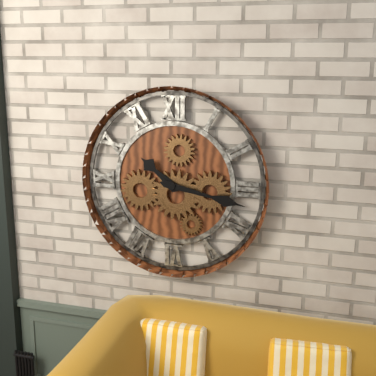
10h17
